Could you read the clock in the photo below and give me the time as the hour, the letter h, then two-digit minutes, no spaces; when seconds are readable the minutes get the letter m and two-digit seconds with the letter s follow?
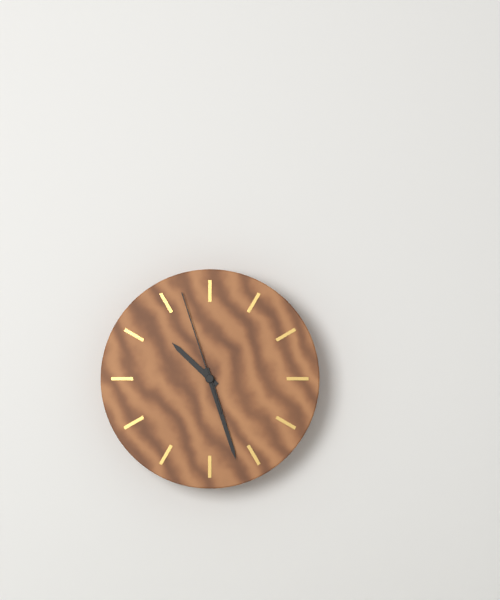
10h27m57s
